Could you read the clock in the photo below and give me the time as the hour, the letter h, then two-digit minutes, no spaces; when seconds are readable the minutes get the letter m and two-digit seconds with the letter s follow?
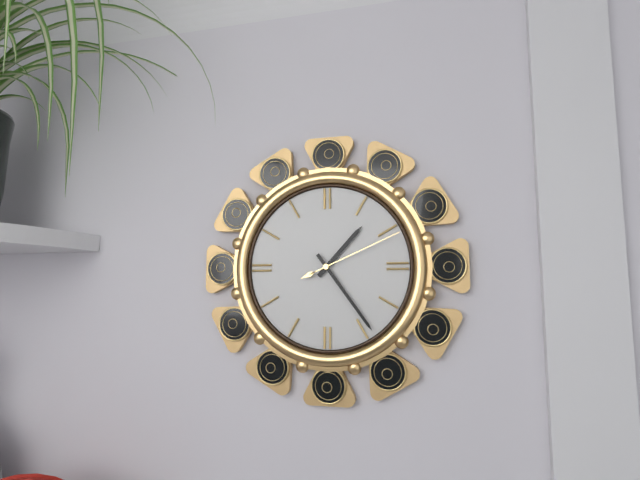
1h24m11s
